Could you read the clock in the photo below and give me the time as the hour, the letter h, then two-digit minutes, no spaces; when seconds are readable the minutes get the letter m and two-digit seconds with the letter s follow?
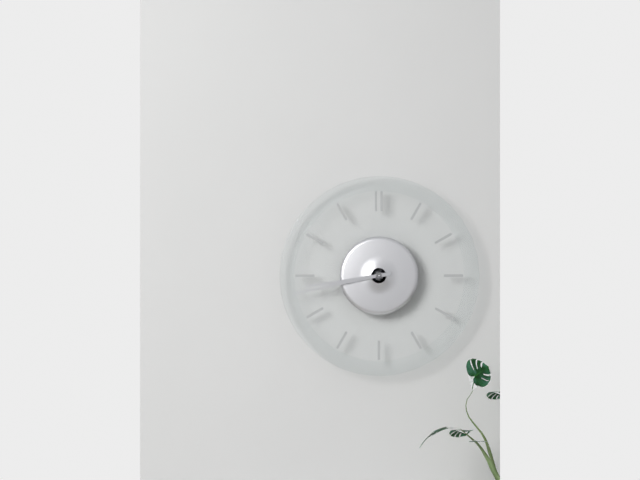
8h43
